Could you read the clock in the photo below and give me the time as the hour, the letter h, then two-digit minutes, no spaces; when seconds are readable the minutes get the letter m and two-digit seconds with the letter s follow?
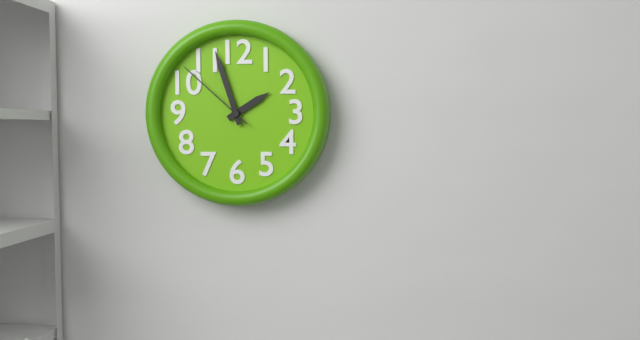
1h57m52s
